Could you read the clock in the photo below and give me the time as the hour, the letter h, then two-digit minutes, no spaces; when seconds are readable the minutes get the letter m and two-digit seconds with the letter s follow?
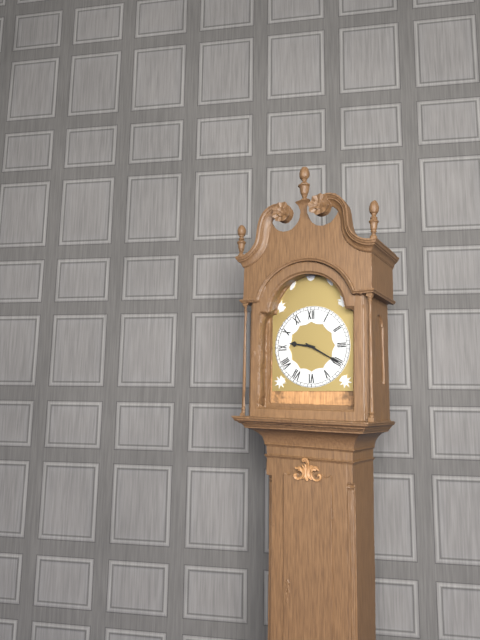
9h20
